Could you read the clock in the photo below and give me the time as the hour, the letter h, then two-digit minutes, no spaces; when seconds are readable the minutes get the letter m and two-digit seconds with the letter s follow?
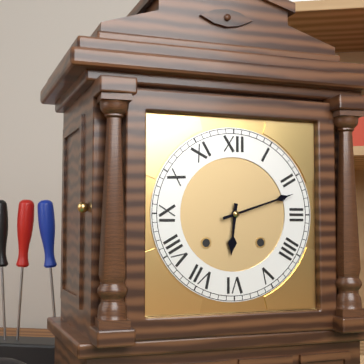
6h12
